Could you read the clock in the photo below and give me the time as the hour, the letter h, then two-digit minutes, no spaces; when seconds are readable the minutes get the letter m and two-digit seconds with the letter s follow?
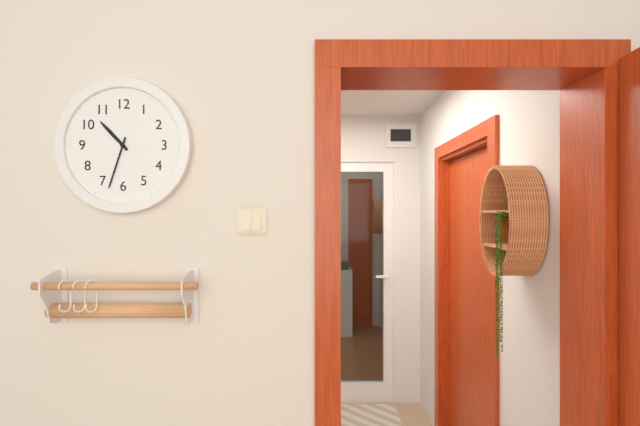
10h33
